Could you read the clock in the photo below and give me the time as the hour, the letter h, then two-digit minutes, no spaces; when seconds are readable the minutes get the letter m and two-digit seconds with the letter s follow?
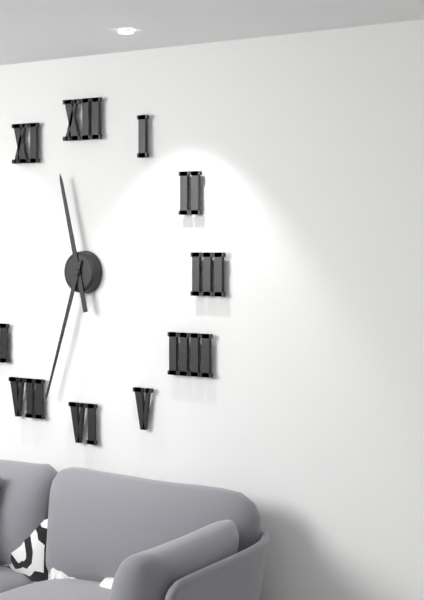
11h33
